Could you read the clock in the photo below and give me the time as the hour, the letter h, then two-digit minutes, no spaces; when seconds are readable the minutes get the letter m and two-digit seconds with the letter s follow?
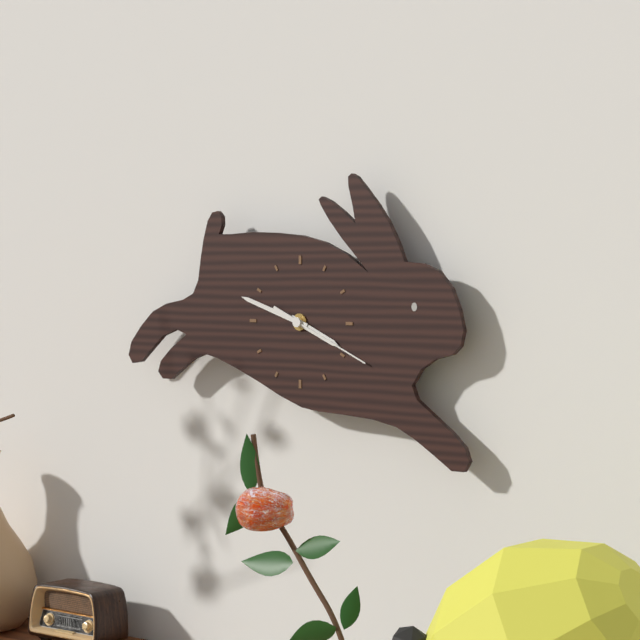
3h48m19s
